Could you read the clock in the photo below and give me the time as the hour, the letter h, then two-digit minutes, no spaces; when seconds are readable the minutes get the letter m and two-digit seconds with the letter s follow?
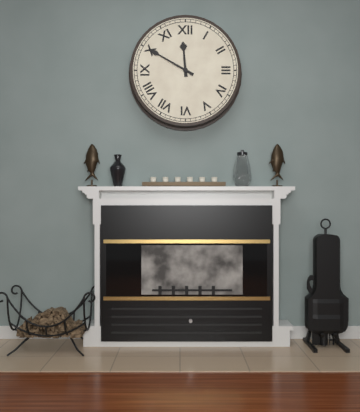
11h50
